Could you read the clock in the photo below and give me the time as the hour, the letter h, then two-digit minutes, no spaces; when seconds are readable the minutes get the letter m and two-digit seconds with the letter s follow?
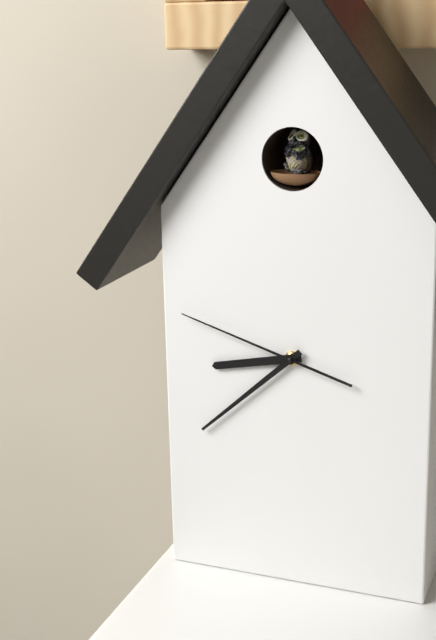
8h38m48s
